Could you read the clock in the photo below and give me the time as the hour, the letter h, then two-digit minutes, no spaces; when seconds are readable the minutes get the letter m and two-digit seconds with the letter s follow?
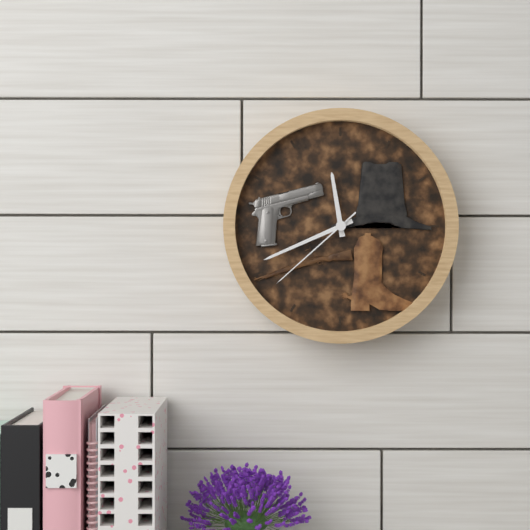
11h41m38s
